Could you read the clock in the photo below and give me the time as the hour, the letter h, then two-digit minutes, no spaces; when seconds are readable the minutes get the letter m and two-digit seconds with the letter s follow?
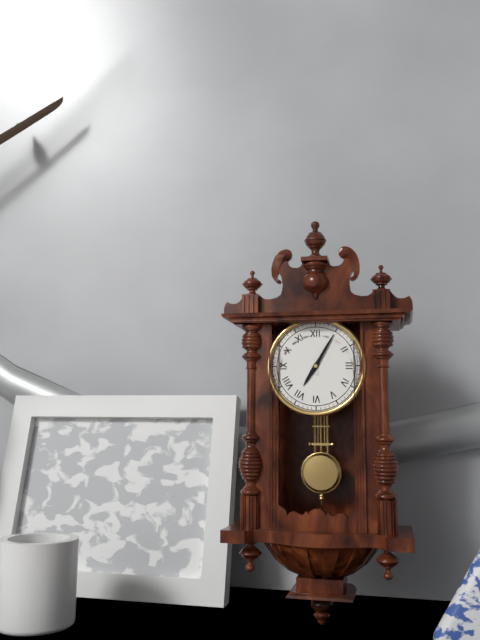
7h05
